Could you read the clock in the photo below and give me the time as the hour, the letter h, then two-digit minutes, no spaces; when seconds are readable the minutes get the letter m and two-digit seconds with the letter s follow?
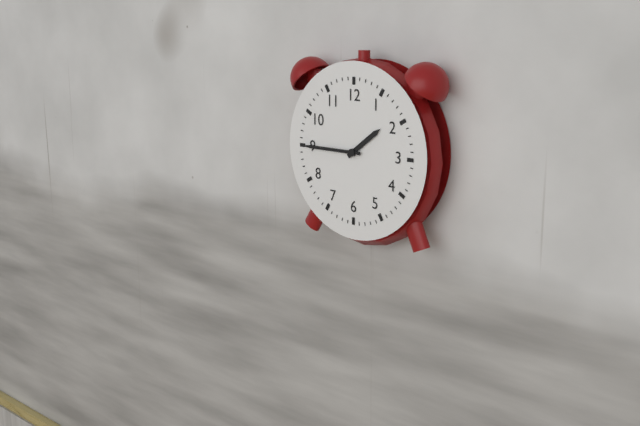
1h45
